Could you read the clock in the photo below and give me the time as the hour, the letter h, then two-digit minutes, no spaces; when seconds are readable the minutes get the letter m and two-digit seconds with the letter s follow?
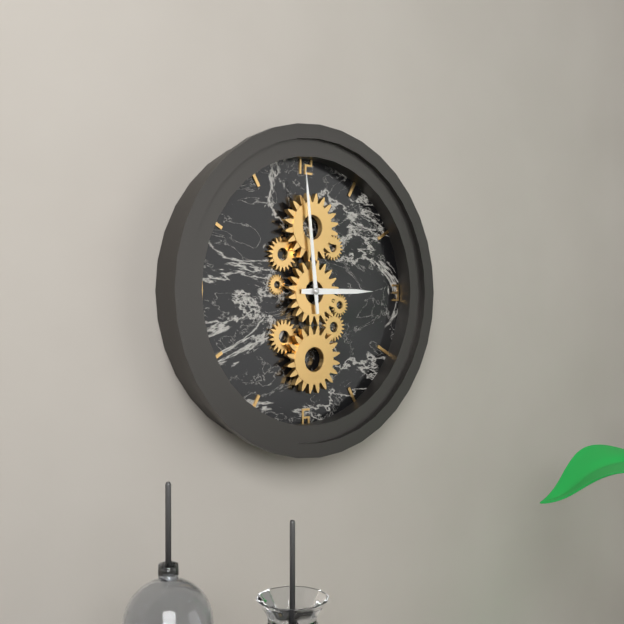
2h59
